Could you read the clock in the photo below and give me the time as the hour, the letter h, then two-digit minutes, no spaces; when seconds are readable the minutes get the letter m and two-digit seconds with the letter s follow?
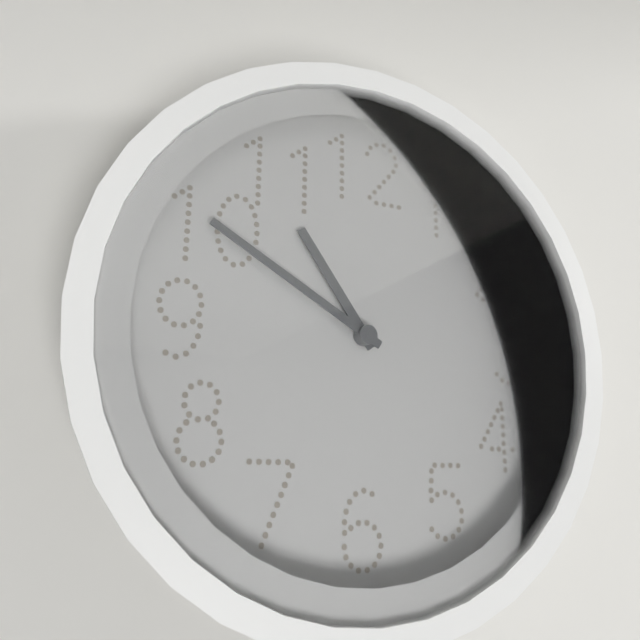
10h50
